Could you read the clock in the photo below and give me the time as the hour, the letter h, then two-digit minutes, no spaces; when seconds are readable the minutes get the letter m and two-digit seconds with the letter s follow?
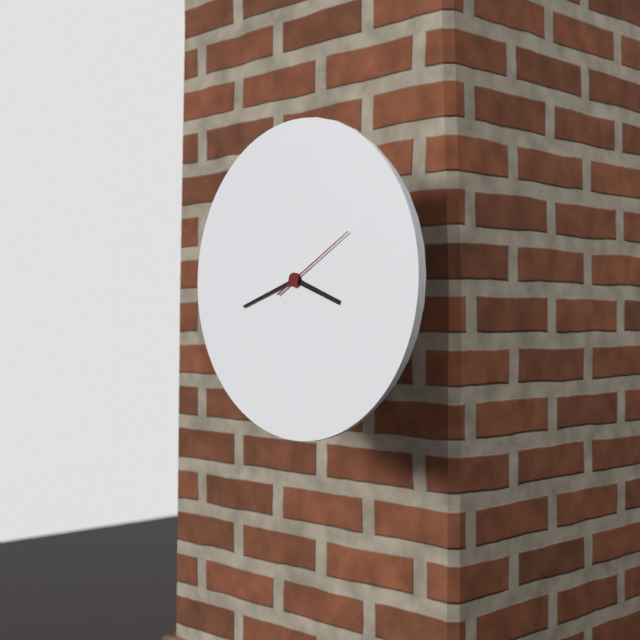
3h42m10s
